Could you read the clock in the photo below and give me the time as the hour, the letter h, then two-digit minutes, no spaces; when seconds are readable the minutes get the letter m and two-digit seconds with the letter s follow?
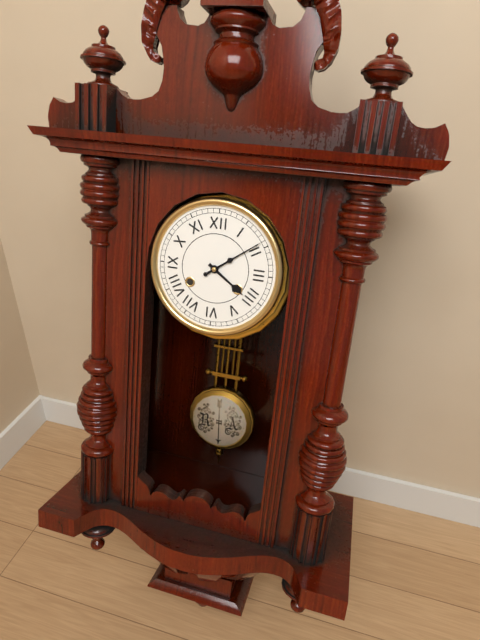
4h09
